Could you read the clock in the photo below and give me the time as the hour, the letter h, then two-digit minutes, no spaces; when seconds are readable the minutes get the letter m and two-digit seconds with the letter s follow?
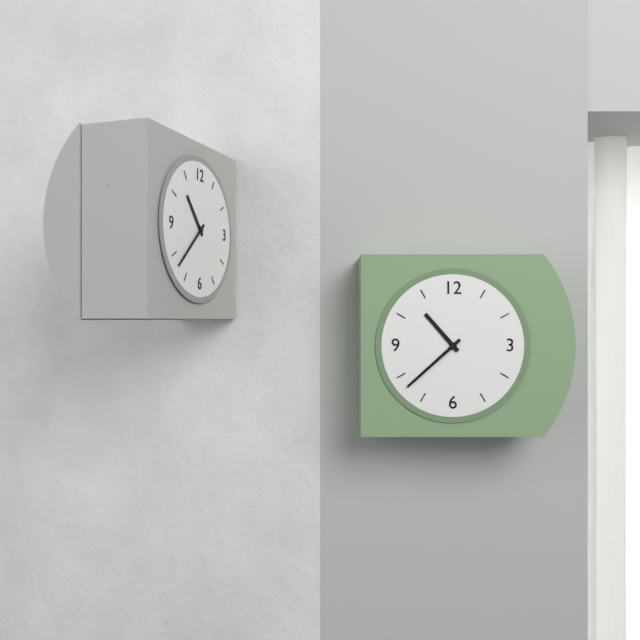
10h38
